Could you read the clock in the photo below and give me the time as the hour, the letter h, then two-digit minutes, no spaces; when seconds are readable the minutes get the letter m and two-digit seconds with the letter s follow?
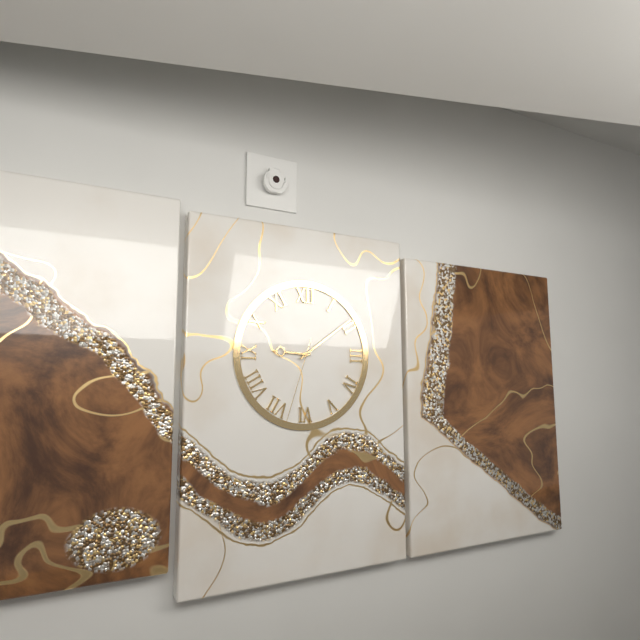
9h09m33s
